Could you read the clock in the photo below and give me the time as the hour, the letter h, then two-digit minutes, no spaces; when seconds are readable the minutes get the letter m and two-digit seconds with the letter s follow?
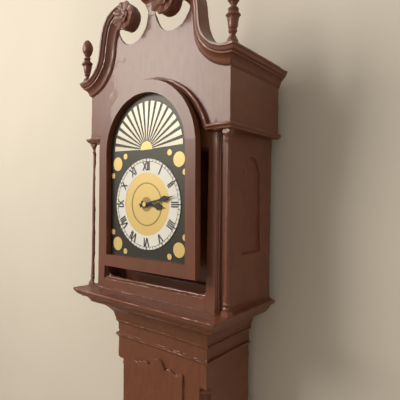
3h13
